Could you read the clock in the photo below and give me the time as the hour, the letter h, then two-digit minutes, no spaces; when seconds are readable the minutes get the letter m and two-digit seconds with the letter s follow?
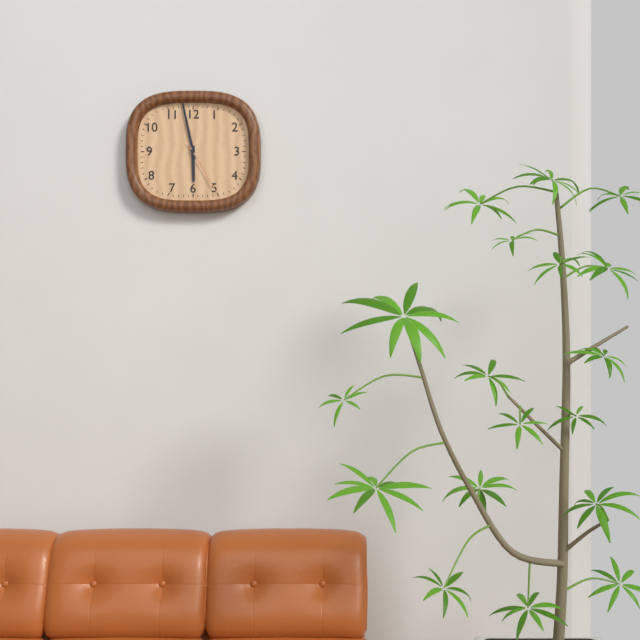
5h58m25s
